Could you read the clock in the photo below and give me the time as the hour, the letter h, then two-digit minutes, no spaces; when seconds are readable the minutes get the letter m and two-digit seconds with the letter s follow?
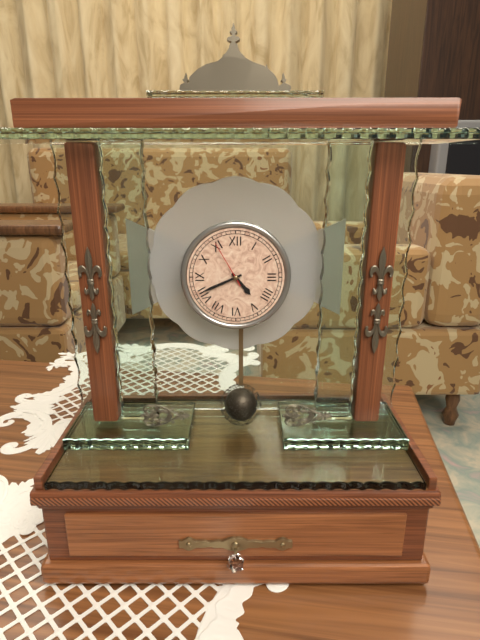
4h41m55s
